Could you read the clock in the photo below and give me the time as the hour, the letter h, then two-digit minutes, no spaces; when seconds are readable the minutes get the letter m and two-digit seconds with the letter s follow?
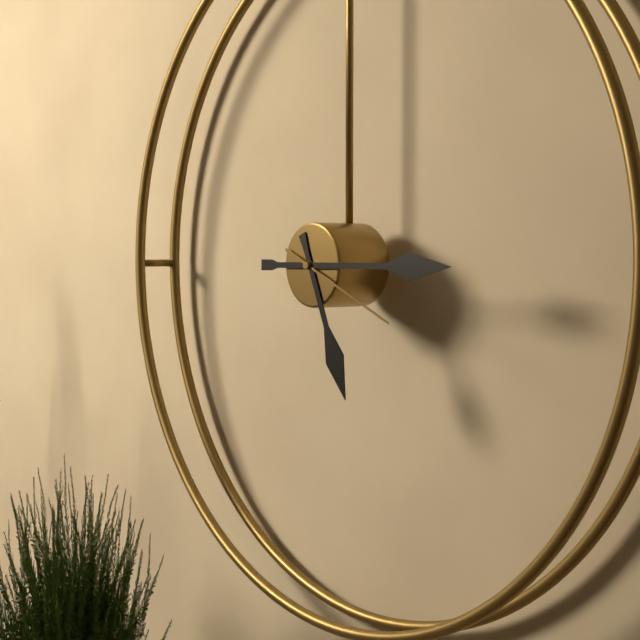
5h15m19s
